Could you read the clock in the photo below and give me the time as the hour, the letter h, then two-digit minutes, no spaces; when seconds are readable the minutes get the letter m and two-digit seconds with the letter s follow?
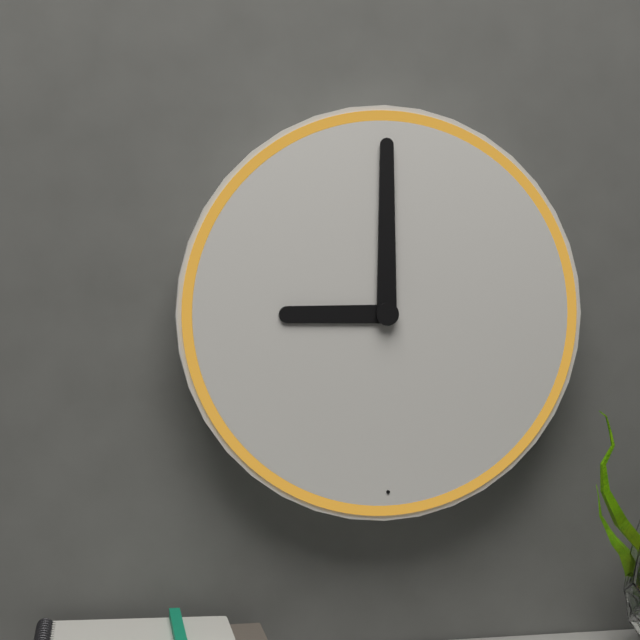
9h00
